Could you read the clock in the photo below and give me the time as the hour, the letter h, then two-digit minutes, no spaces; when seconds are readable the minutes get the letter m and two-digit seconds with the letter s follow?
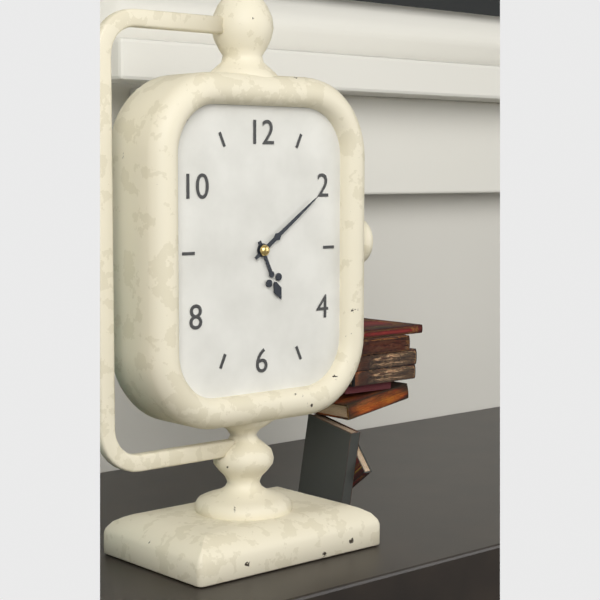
5h09
